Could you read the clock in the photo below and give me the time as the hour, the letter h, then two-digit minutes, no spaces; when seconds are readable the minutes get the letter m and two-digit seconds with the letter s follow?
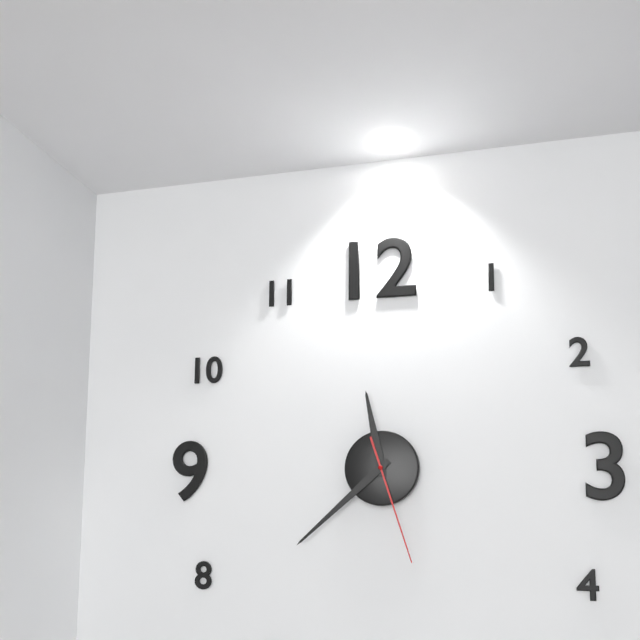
11h38m27s
